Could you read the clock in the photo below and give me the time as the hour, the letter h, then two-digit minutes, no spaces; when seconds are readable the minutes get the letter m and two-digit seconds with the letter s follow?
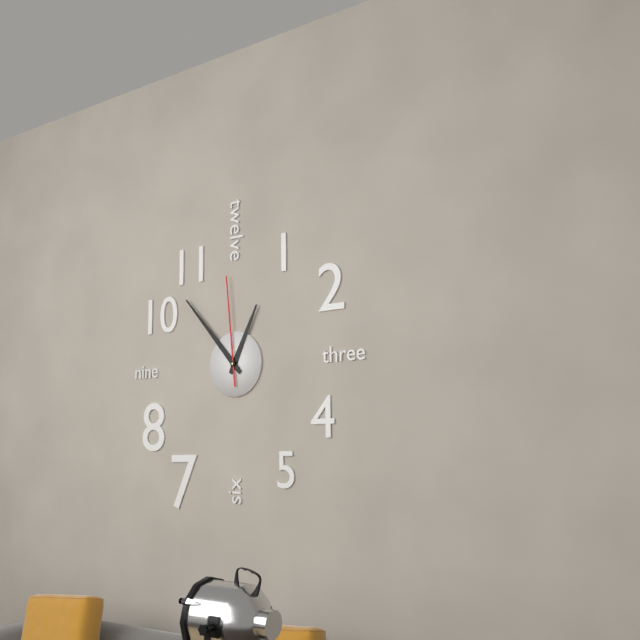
12h53m59s
